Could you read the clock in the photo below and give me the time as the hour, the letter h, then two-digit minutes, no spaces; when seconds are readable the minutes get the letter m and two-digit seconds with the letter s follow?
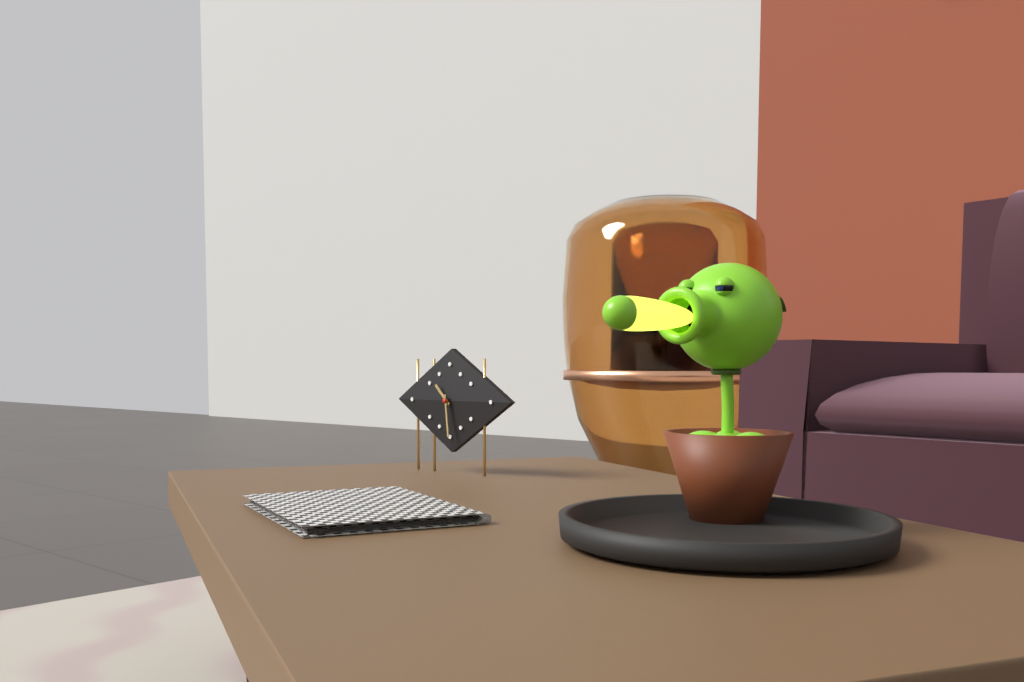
10h29
